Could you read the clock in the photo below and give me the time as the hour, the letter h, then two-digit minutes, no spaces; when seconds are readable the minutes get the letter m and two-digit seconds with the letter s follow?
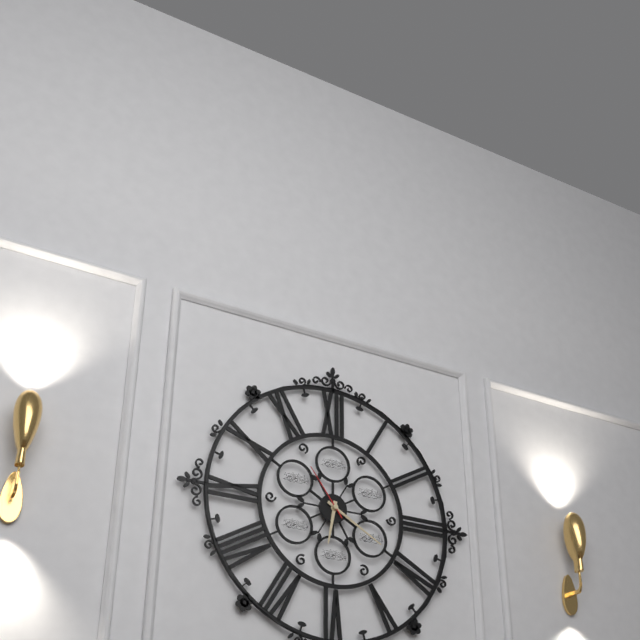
6h20m54s
